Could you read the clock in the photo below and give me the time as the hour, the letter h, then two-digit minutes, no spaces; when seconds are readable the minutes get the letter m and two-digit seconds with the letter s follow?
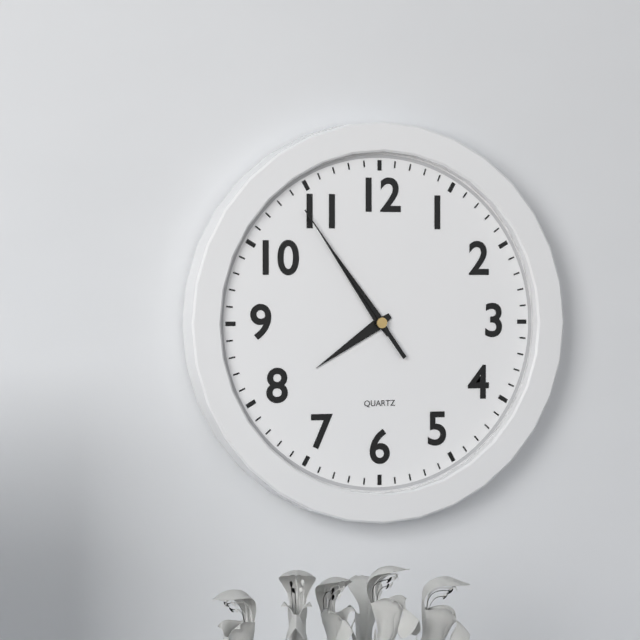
7h54m54s
